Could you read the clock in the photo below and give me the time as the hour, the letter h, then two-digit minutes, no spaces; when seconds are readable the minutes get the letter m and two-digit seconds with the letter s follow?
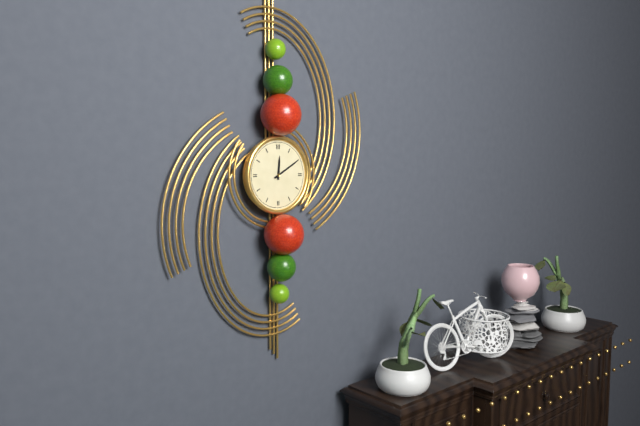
12h10
